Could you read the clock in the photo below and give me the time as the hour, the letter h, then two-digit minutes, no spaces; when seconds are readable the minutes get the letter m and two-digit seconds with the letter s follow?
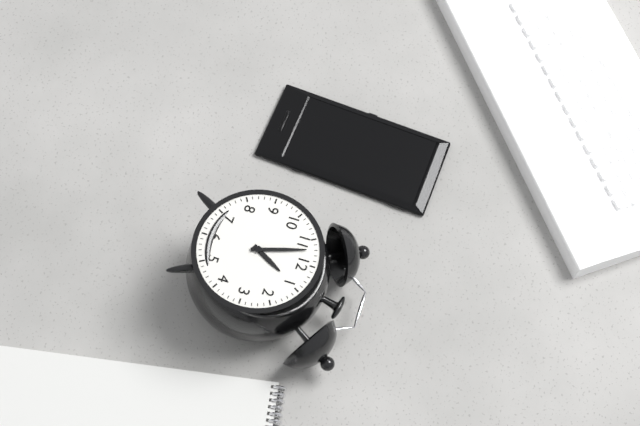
12h57
